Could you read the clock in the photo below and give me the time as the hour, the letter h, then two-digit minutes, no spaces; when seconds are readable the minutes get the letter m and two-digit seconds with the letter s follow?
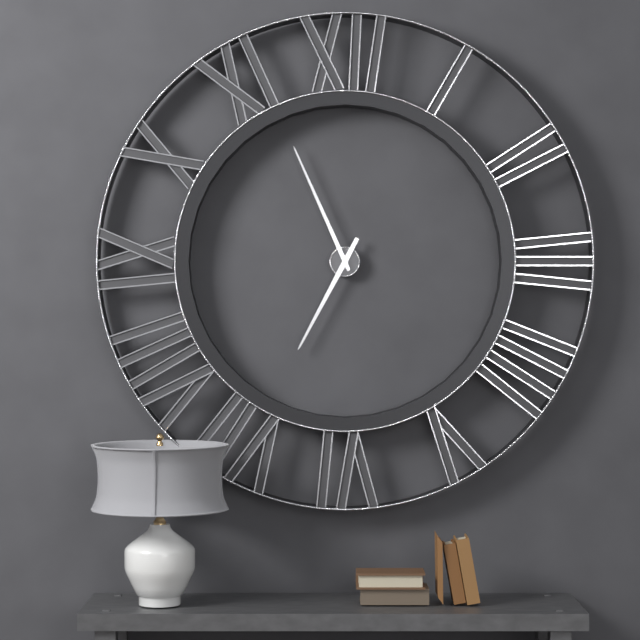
6h56
